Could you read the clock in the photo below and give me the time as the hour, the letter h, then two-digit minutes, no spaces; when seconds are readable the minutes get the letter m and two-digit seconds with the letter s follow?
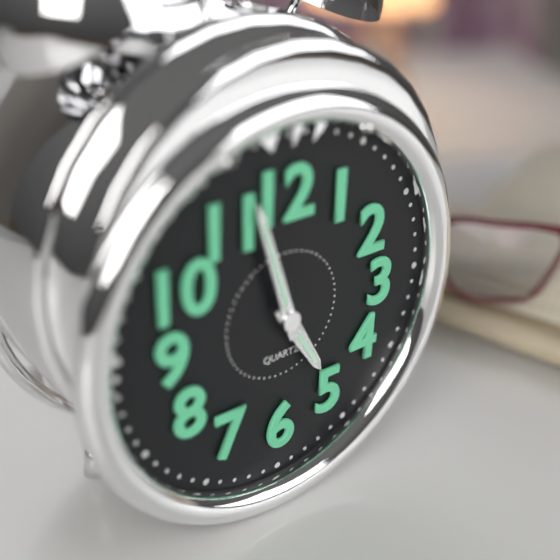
4h57
